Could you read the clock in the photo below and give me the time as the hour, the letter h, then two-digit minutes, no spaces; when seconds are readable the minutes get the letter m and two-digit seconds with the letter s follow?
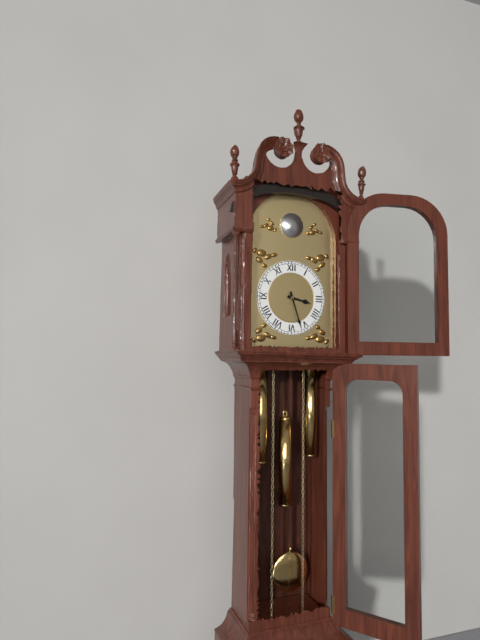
3h27
